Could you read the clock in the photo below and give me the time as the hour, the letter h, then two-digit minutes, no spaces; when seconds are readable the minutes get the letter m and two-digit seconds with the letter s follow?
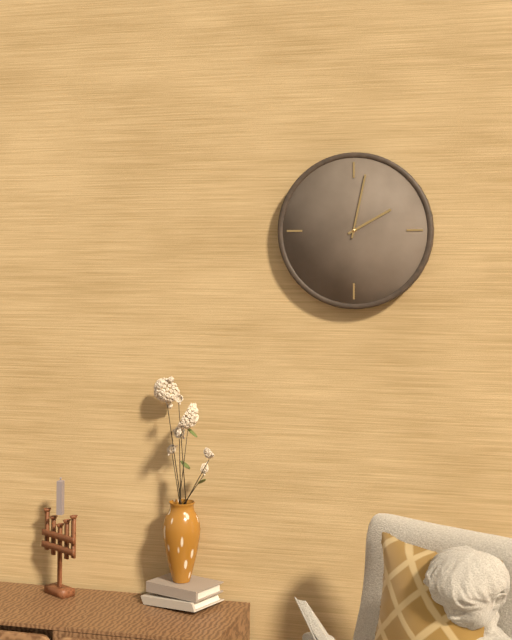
2h02
